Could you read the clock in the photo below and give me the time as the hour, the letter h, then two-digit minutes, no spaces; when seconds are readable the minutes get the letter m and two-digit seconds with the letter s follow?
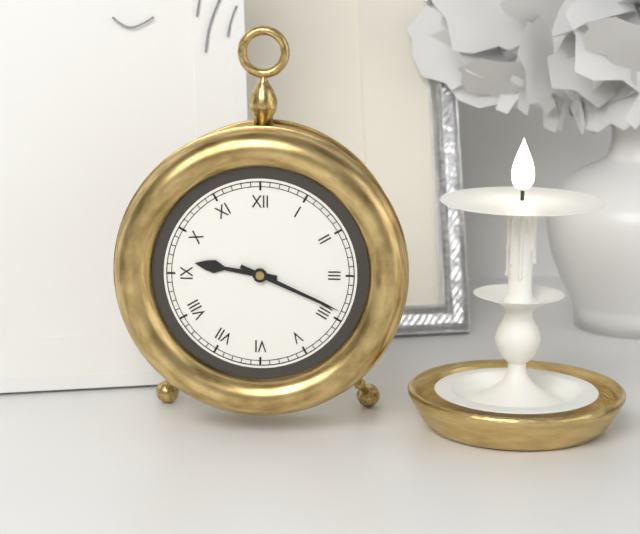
9h19
